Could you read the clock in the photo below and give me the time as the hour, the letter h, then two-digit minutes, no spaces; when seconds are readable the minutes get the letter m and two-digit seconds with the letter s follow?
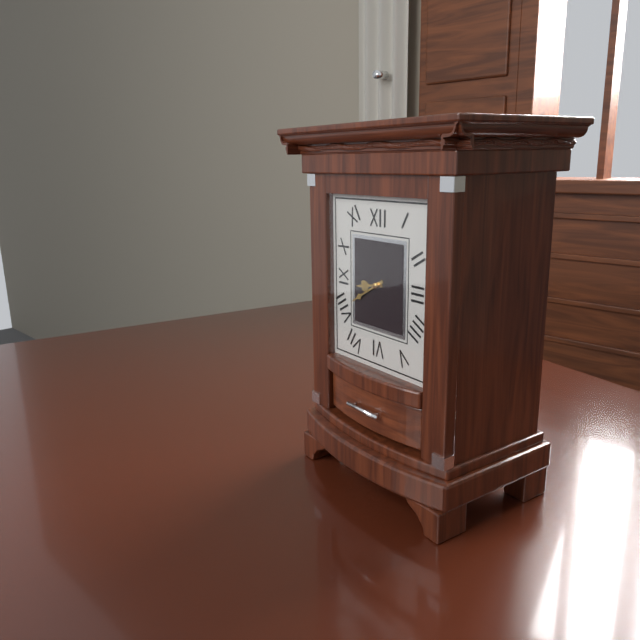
8h40
